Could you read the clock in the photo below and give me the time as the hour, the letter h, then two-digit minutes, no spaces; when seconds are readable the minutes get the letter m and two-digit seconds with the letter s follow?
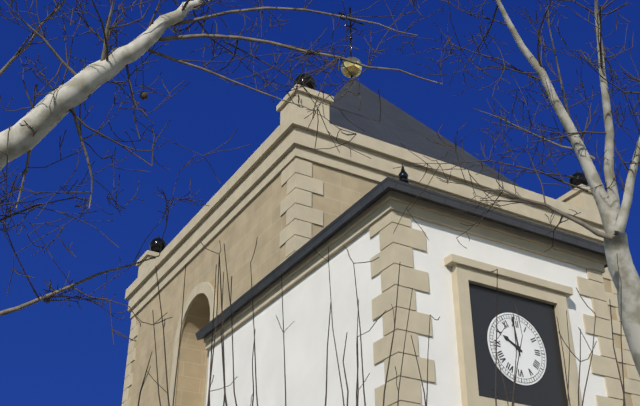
9h59
